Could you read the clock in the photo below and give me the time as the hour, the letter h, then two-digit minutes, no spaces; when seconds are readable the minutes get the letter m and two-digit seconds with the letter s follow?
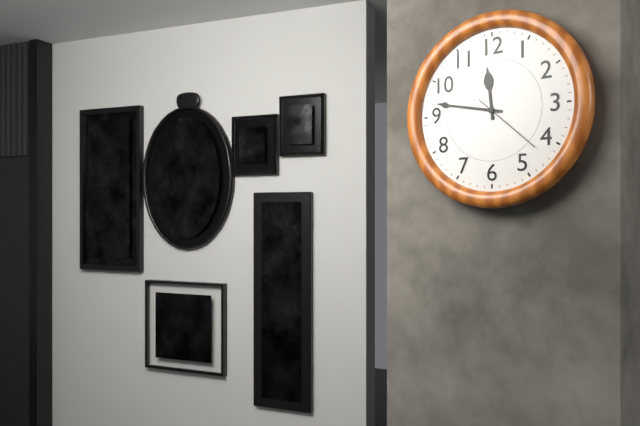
11h47m22s
